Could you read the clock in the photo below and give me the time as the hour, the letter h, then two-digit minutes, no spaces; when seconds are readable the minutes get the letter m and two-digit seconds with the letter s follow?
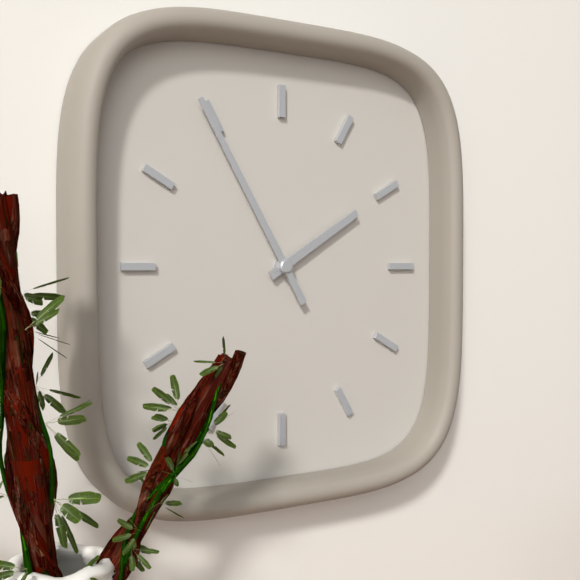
1h55
